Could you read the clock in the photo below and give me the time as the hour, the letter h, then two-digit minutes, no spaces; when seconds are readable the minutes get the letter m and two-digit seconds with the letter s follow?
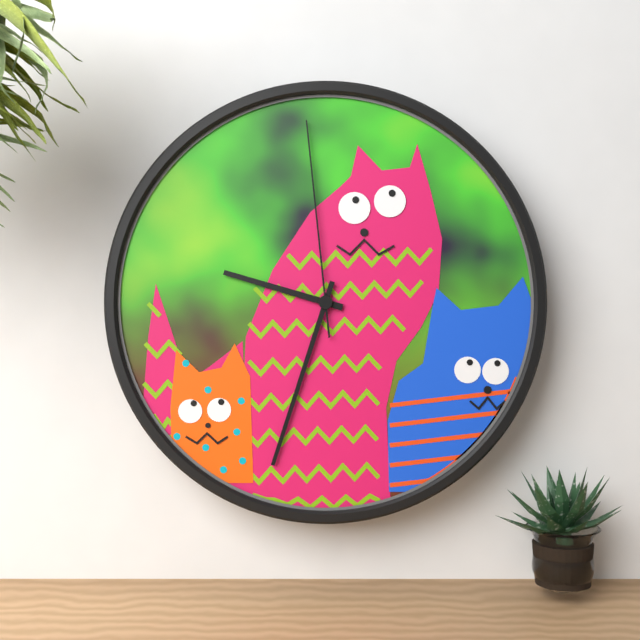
9h33m59s
